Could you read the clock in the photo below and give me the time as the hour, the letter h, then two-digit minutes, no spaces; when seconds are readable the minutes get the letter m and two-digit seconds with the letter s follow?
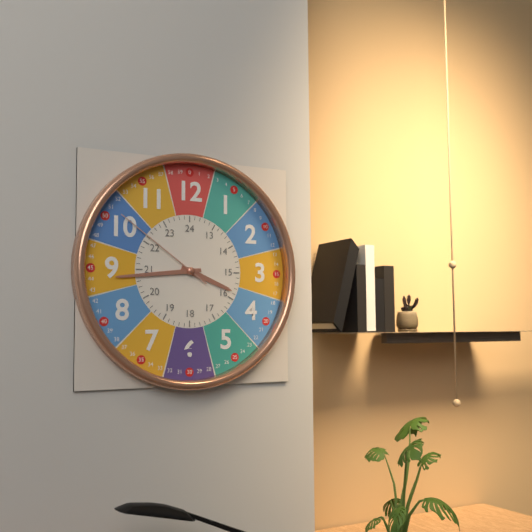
3h44m51s
